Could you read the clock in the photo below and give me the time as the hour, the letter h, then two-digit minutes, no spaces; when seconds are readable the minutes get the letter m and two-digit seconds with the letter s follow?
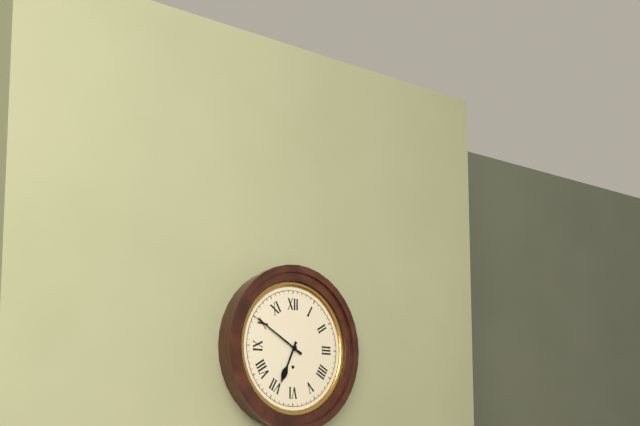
6h50
